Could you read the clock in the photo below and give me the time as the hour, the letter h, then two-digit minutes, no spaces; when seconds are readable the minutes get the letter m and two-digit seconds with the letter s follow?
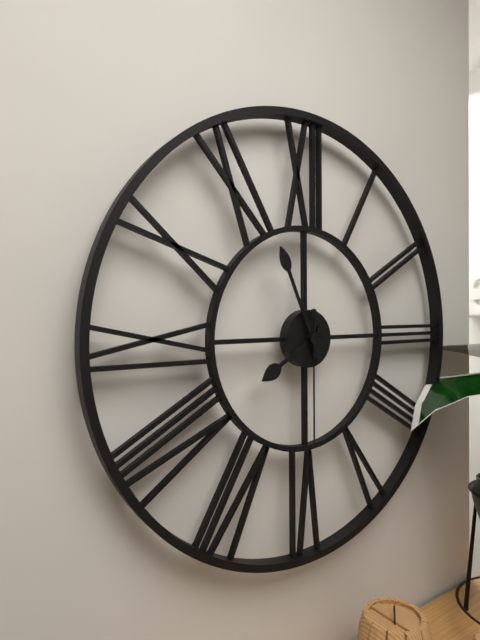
7h56m30s
